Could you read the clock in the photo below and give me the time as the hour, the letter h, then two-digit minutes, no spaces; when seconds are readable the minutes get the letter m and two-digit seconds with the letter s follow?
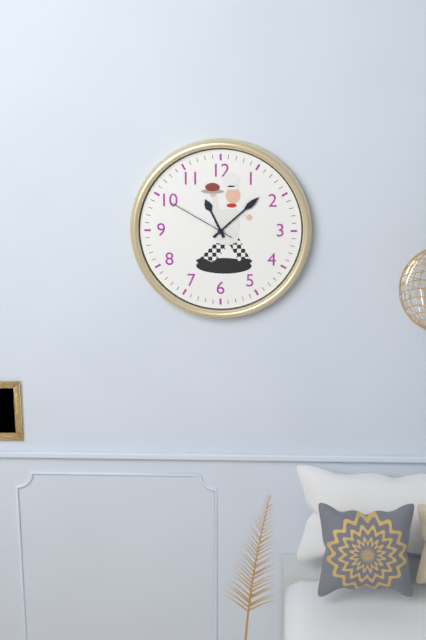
11h08m50s
